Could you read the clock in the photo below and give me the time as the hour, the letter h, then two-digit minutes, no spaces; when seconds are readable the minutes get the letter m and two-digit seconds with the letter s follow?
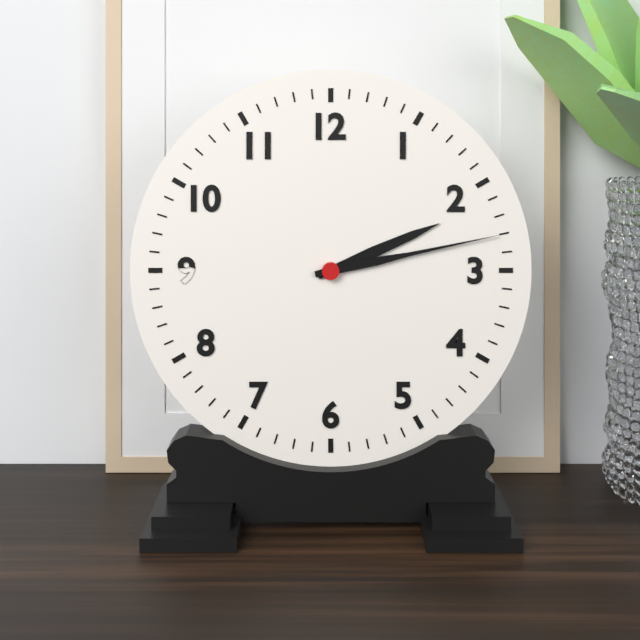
2h13
